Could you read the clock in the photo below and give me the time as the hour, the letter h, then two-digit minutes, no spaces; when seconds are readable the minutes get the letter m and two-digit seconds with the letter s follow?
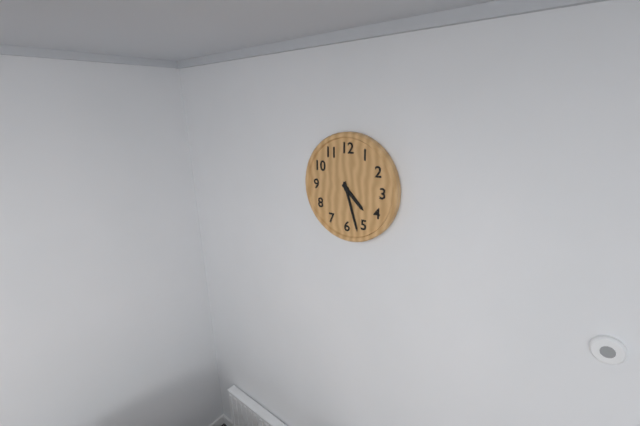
4h27
